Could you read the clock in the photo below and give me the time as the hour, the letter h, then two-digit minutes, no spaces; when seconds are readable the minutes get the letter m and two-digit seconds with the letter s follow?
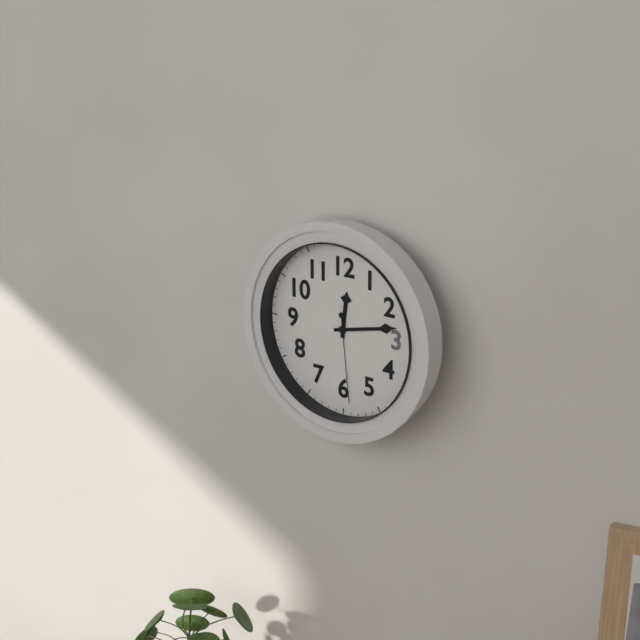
12h13m29s
